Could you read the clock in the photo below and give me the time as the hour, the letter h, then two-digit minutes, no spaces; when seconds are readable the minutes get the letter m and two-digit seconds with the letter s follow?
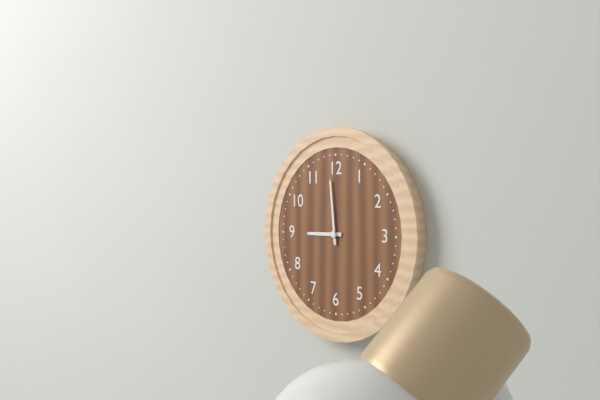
8h59
